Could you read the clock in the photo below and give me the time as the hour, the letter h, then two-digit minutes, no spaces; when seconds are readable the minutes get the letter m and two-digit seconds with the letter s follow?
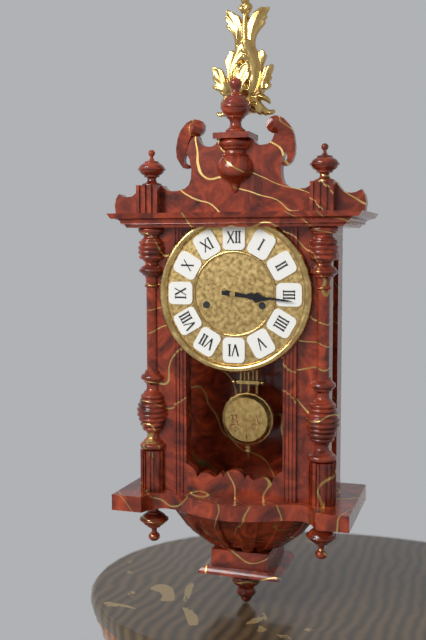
3h16
